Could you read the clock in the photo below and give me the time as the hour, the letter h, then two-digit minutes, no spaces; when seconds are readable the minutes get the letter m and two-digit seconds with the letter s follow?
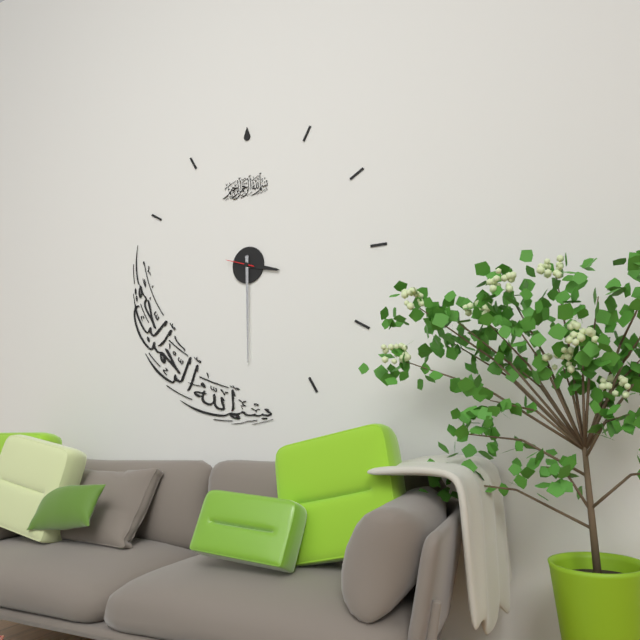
3h30
